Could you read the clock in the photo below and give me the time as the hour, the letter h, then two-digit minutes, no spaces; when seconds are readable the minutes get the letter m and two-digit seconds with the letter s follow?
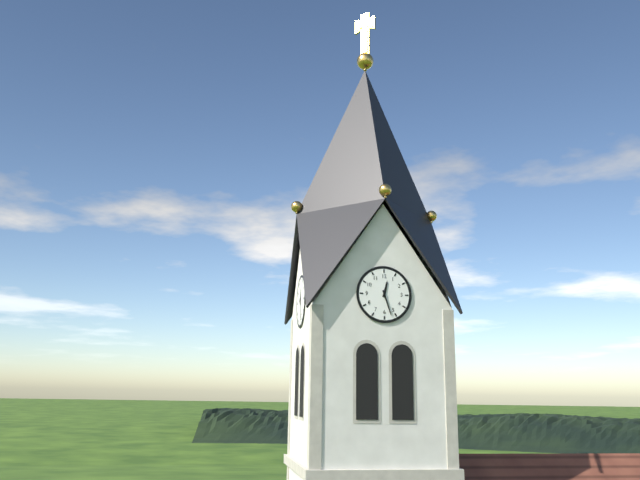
12h27
